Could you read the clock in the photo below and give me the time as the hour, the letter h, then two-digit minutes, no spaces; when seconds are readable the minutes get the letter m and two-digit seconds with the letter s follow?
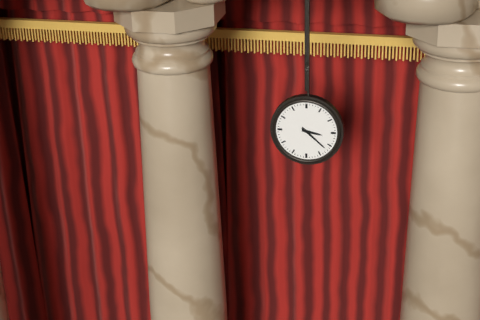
3h22
